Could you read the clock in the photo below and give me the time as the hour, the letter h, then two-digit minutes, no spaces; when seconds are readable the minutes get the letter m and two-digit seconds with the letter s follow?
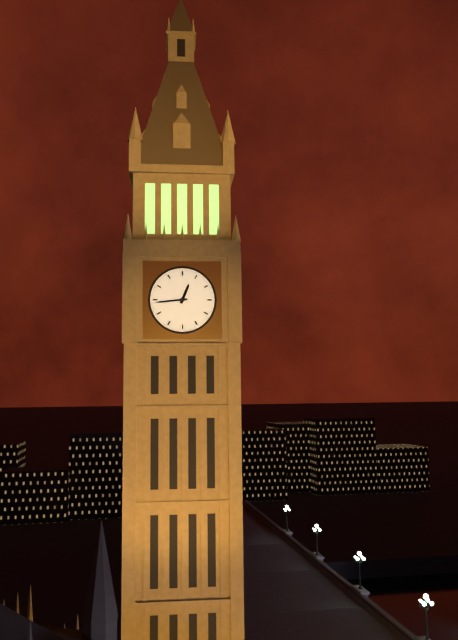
12h44
